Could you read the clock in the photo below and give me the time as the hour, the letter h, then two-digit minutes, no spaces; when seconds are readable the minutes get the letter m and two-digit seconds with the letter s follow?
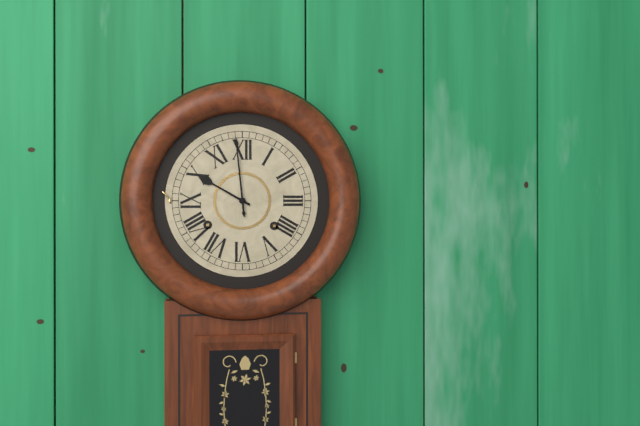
9h59
